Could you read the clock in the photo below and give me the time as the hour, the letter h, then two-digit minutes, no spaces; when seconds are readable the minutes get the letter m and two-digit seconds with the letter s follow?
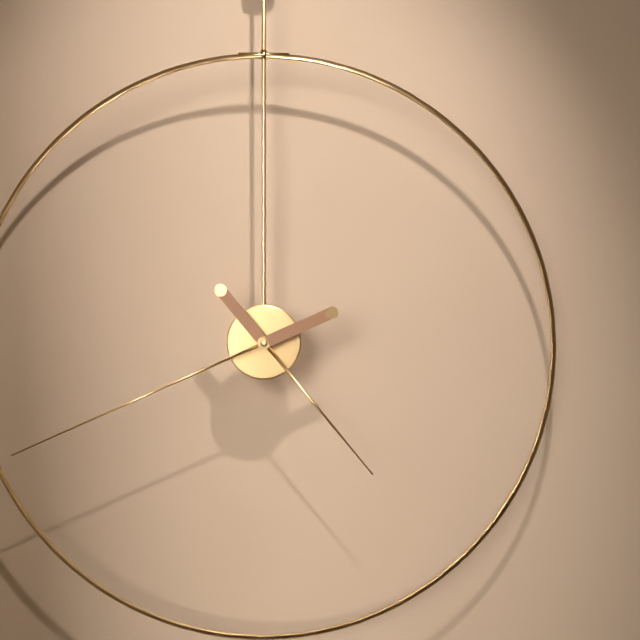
4h41
